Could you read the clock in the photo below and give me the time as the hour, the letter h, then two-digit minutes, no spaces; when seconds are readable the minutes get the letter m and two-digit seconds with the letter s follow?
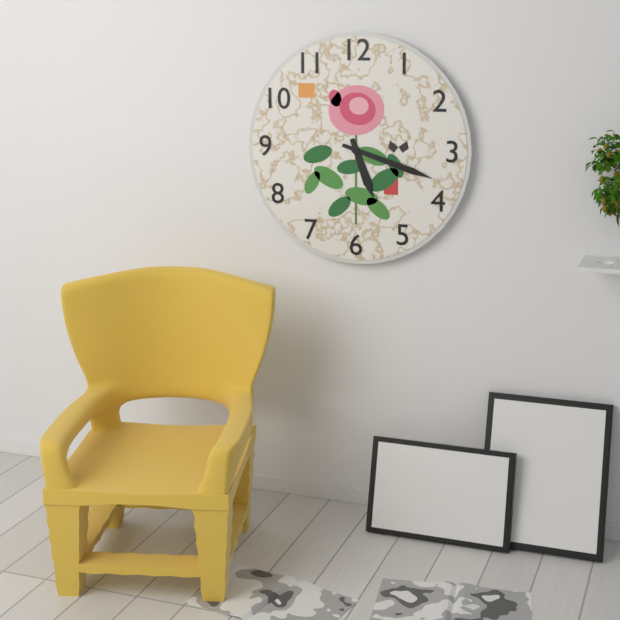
5h18
